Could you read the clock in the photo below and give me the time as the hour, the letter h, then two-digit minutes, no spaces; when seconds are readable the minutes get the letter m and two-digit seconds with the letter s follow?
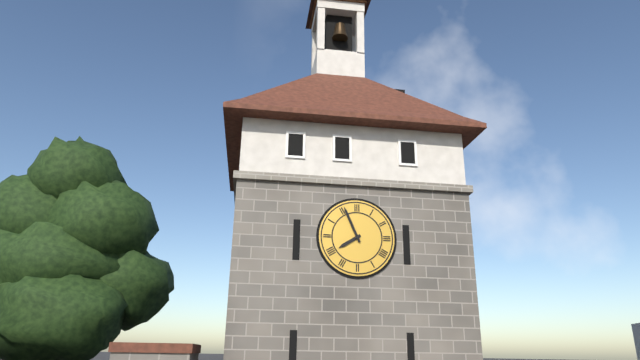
7h56
